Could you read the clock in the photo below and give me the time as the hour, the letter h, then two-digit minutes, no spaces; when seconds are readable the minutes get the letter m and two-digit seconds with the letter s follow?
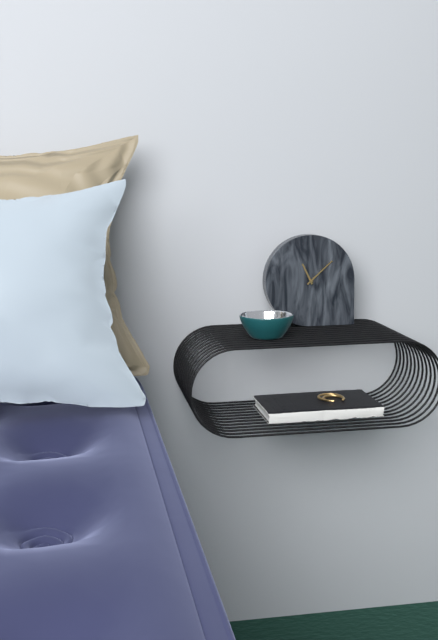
11h08
